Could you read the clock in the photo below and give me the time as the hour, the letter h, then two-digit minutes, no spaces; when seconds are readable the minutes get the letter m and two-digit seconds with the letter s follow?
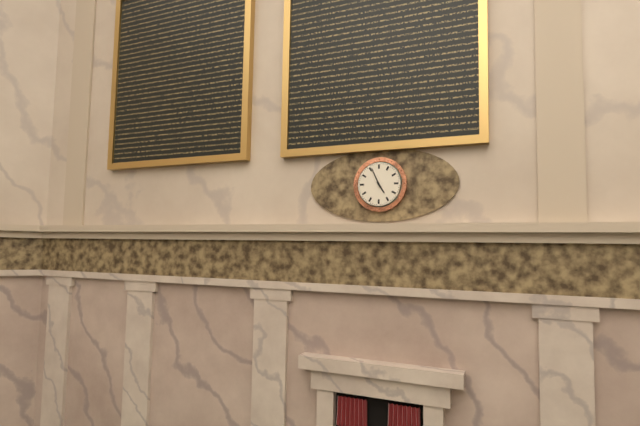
4h56
